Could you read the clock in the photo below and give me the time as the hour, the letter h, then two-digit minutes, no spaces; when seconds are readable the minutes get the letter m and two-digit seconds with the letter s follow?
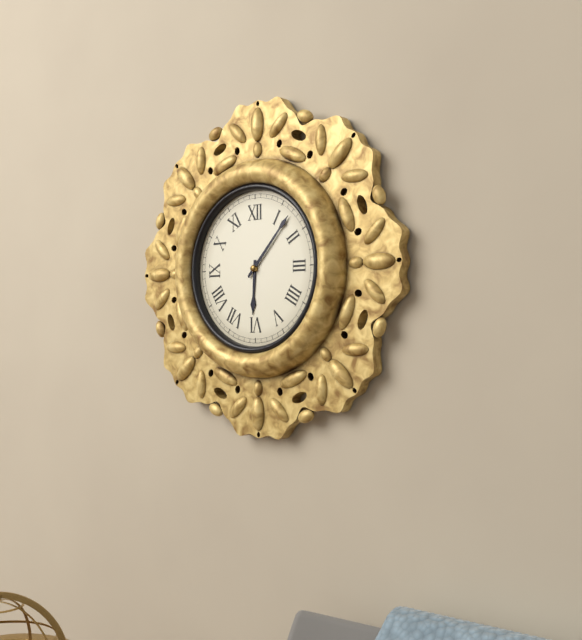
6h07
